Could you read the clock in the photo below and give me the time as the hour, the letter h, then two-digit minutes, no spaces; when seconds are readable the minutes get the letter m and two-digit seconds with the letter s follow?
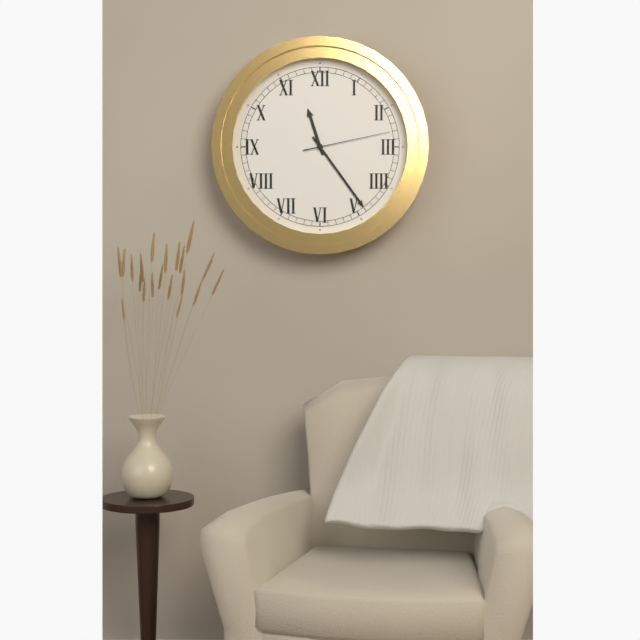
11h24m13s
